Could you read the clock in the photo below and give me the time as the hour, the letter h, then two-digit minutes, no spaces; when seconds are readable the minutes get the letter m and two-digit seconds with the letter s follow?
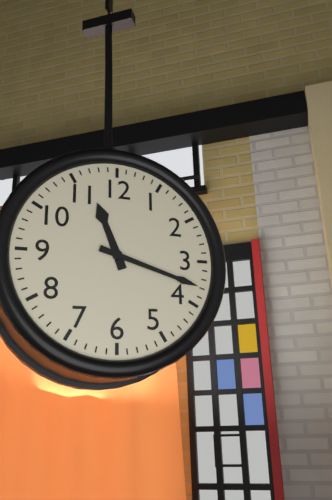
11h18
